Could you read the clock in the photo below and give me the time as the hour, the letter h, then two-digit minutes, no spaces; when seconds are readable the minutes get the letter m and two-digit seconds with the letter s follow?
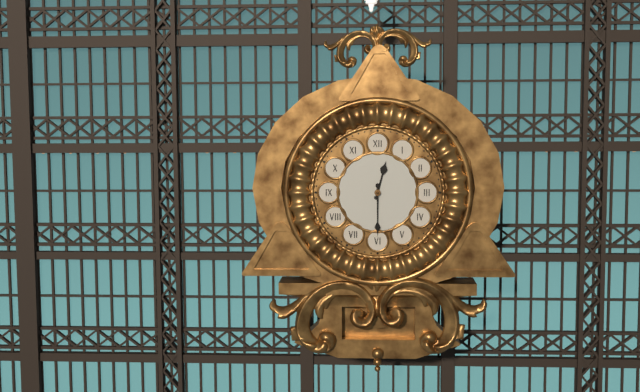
12h30
